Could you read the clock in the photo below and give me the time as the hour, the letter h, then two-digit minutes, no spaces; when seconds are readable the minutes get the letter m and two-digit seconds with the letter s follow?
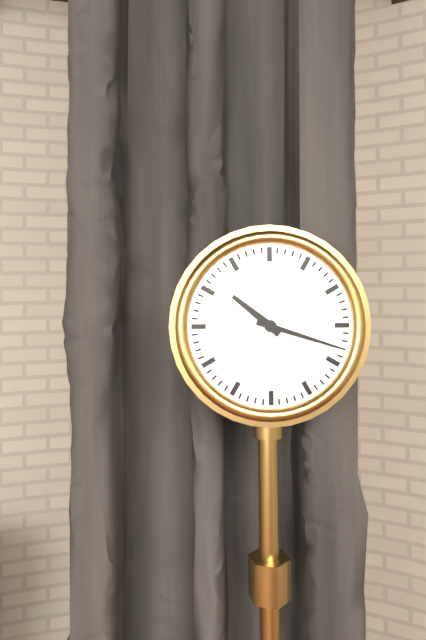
10h18
